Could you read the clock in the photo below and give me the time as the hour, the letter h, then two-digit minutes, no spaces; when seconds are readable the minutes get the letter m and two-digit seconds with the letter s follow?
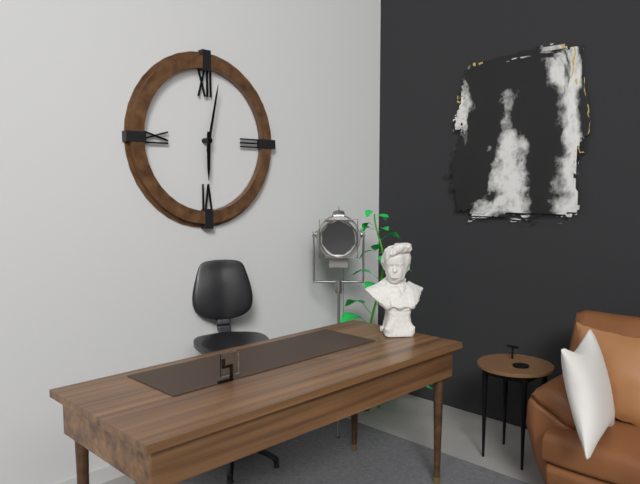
6h02
